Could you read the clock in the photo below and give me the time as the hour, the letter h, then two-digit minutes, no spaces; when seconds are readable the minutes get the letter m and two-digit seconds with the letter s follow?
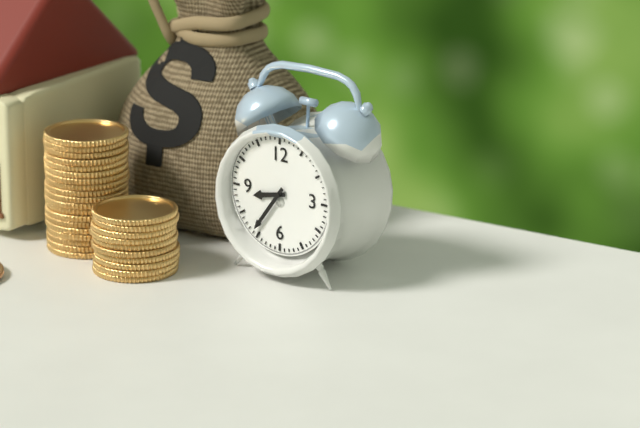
8h36
